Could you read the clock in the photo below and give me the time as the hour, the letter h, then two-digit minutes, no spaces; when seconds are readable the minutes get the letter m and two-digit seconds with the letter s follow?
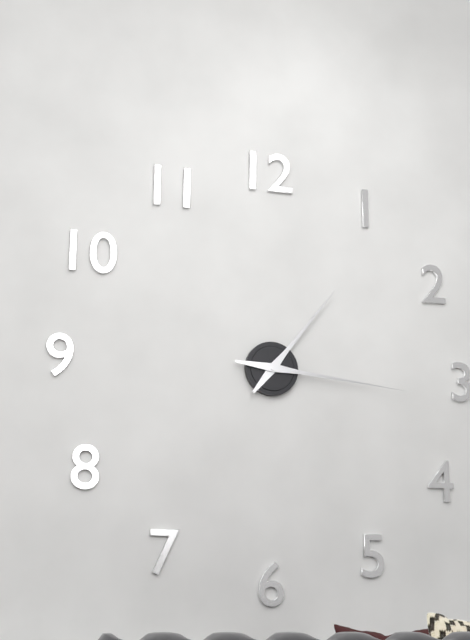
1h16
